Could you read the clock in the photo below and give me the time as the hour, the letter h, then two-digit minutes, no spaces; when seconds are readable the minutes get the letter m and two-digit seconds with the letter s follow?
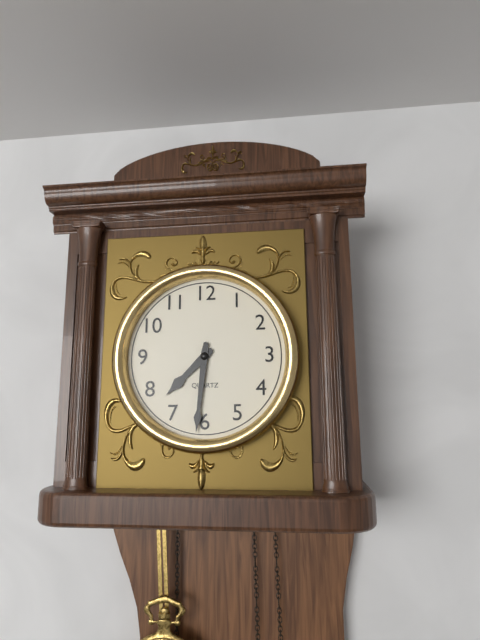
7h31
